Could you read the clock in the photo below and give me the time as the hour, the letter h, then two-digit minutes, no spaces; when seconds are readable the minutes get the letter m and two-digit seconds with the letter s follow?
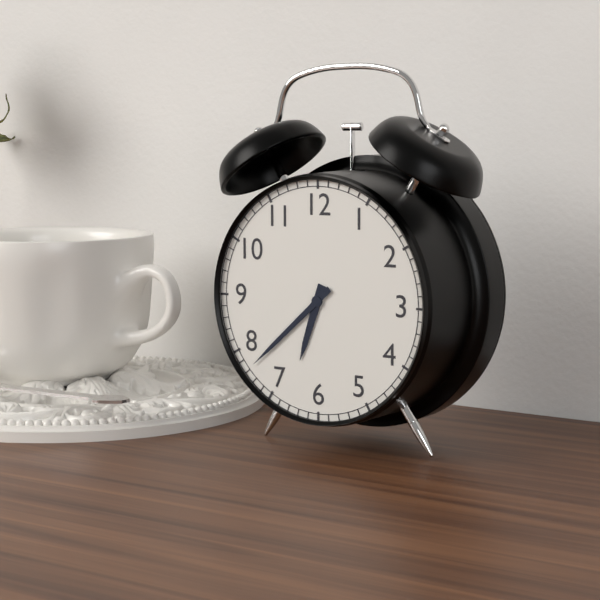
6h38
